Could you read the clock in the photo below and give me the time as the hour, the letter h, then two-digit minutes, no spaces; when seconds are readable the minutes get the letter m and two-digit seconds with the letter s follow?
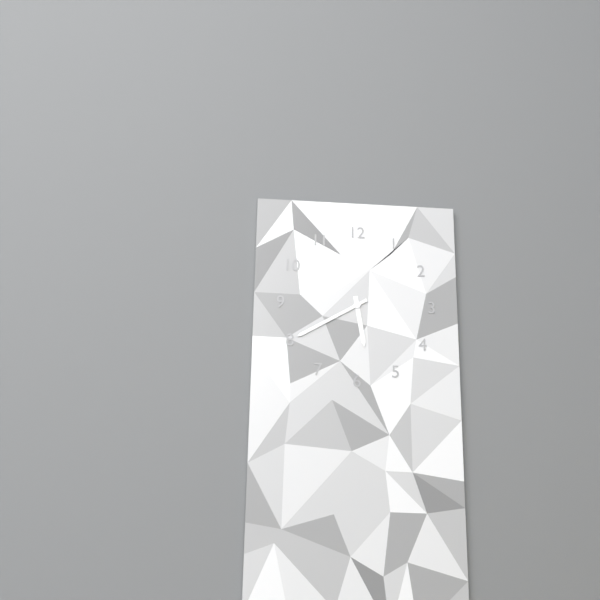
5h40
